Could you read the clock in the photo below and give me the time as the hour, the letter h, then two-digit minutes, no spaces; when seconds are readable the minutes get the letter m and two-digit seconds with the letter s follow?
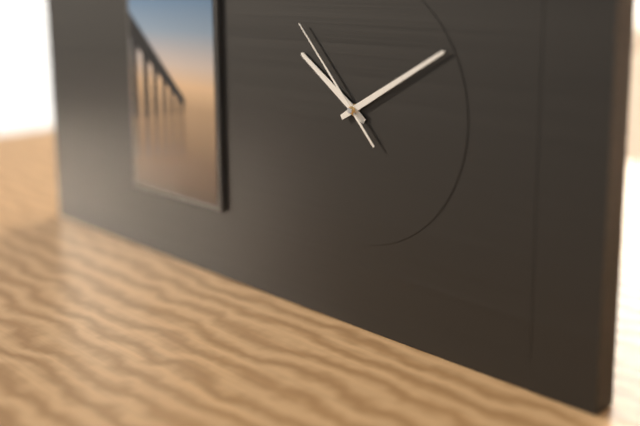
10h10m53s
